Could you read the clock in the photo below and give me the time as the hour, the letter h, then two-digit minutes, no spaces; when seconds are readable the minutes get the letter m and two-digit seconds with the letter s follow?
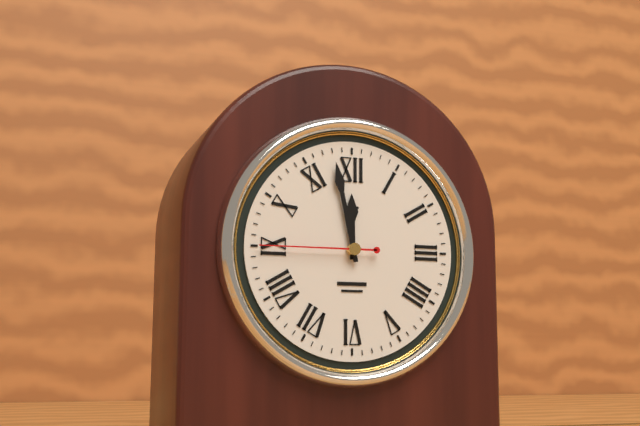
11h58m45s
